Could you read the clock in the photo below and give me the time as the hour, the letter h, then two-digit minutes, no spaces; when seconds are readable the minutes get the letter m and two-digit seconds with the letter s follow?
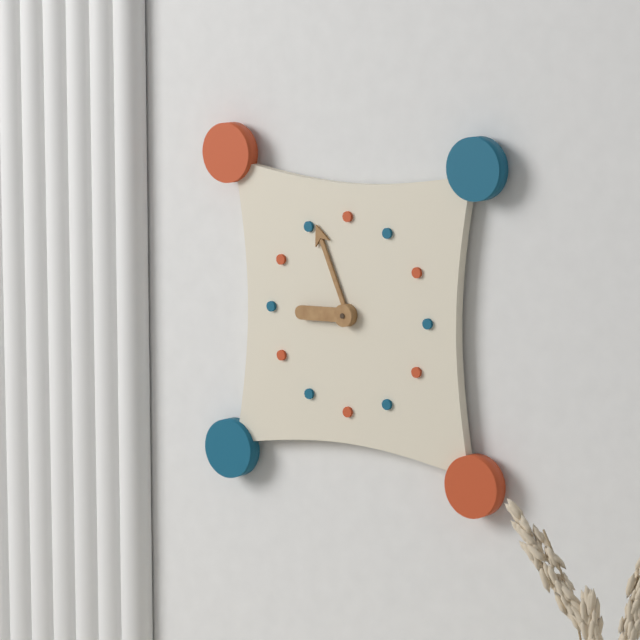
8h56
